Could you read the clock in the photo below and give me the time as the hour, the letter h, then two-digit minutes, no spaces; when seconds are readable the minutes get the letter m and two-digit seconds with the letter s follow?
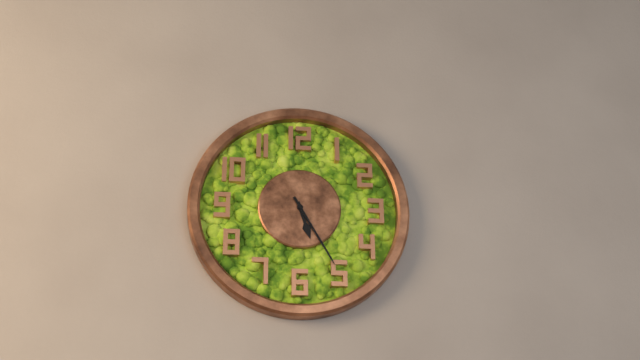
5h25
